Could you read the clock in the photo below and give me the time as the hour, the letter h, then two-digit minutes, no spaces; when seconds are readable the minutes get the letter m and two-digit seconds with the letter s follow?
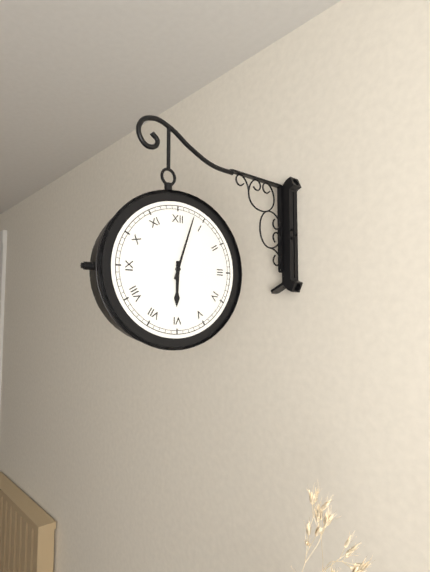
6h03
